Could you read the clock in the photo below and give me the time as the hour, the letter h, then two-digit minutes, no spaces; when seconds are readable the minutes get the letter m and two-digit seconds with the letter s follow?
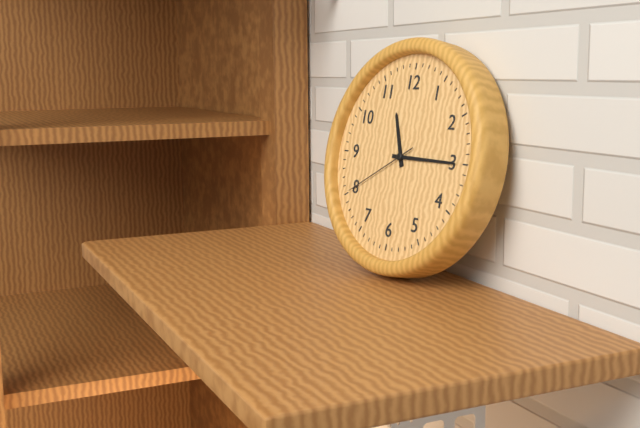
11h15m40s
